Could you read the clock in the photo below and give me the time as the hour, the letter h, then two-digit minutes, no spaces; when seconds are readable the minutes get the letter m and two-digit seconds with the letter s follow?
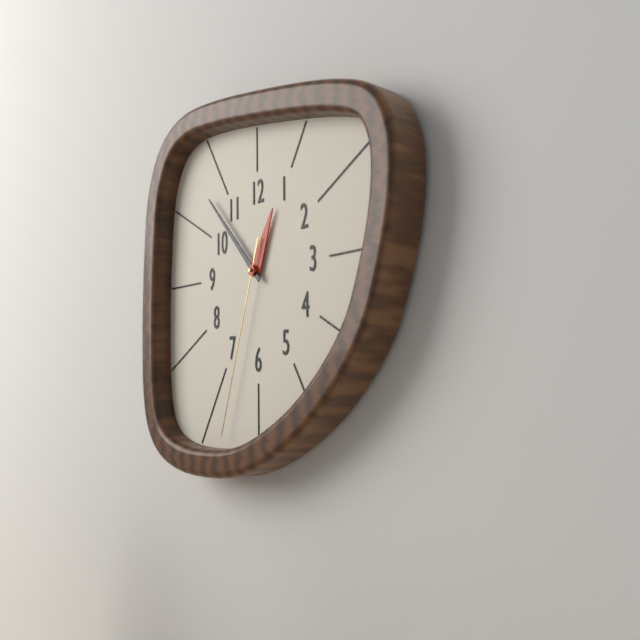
12h53m33s
